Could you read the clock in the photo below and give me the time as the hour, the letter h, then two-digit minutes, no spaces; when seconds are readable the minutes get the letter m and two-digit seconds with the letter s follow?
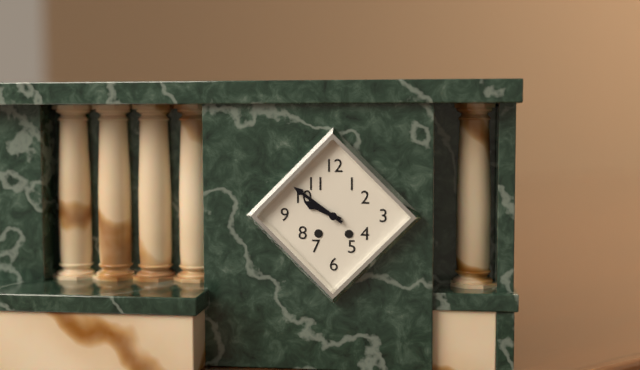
9h51
